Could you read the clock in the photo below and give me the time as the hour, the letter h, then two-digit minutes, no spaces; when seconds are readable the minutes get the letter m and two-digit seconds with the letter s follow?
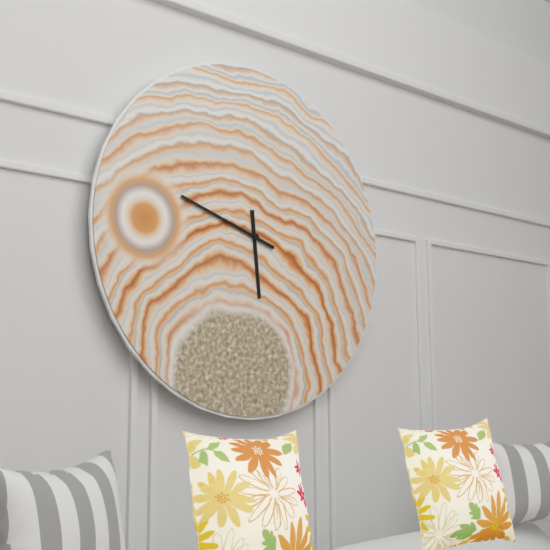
5h48
